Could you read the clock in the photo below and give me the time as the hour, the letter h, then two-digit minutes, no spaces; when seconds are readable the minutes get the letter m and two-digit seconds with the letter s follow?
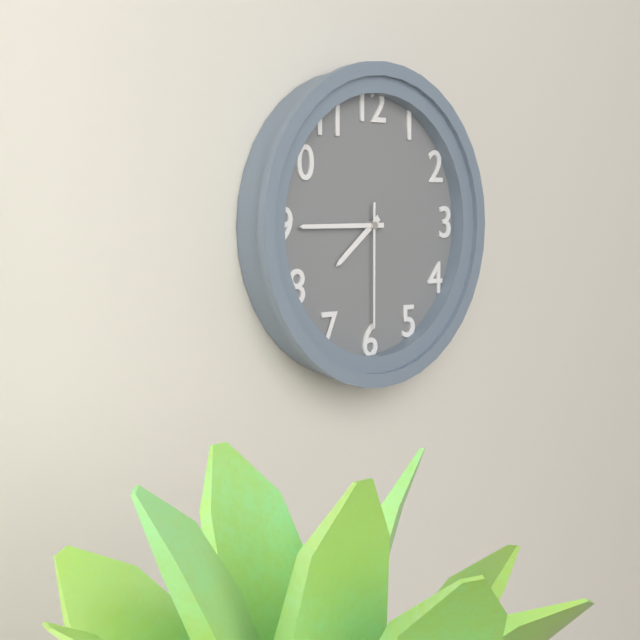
7h45m30s
